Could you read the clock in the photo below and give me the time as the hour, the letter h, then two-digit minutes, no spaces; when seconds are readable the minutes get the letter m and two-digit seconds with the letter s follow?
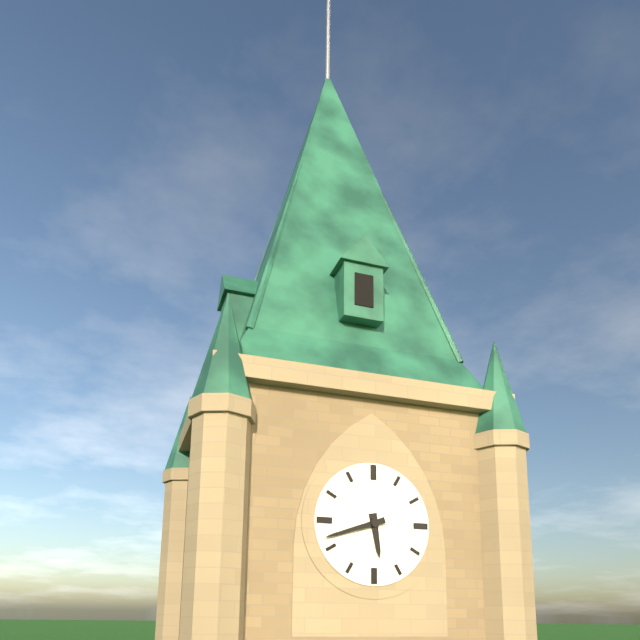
5h42
